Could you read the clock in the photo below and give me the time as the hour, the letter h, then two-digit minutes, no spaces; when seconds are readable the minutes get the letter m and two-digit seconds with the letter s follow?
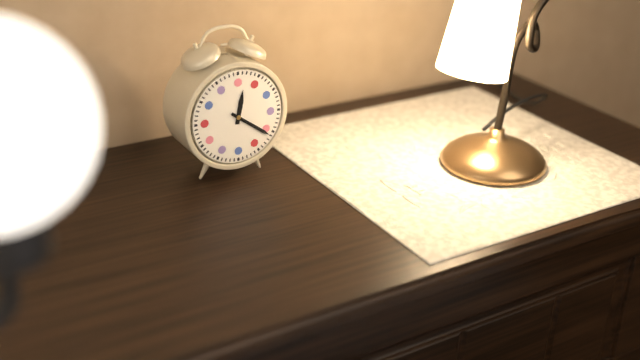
12h21
